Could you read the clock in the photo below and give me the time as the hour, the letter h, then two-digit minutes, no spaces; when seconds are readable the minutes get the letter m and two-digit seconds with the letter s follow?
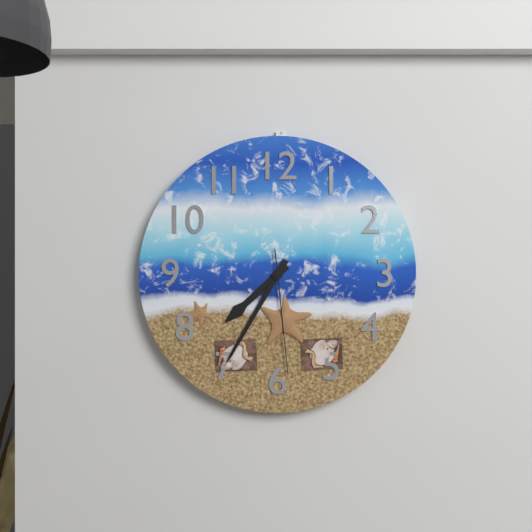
7h35m29s
